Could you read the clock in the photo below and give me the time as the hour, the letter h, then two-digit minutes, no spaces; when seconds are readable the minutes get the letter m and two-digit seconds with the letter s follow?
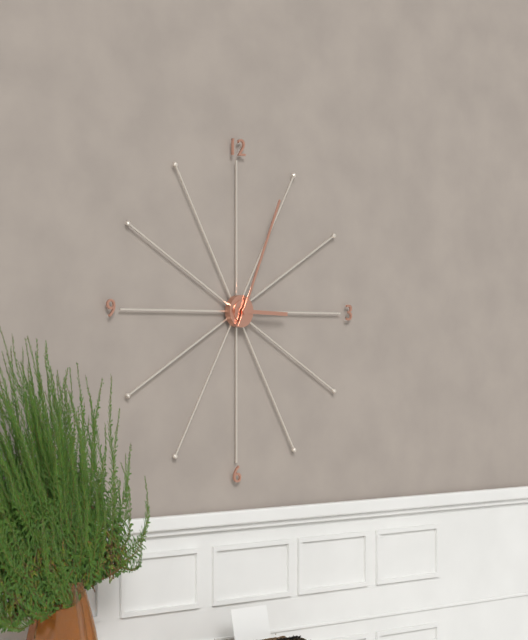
3h04
